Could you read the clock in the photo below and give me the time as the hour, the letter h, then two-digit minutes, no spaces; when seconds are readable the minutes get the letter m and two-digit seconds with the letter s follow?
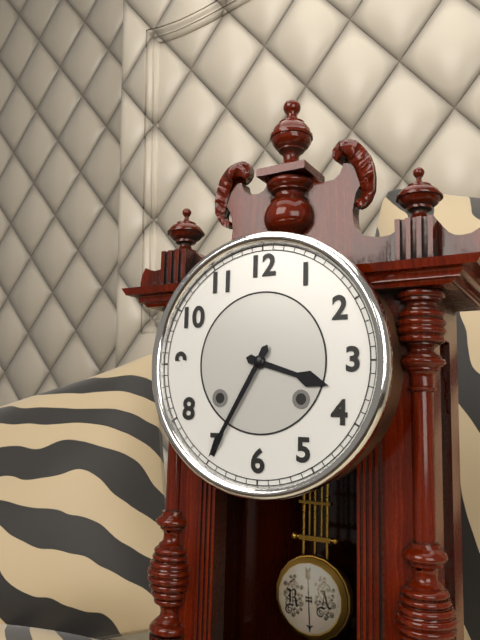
3h35
